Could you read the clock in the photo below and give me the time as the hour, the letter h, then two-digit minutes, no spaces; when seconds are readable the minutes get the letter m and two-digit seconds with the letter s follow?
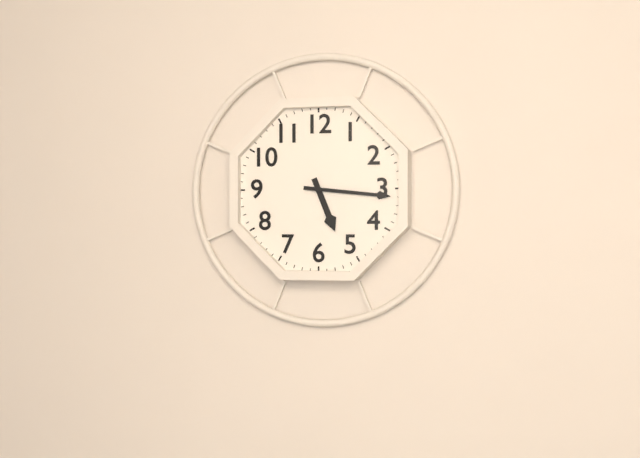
5h16
